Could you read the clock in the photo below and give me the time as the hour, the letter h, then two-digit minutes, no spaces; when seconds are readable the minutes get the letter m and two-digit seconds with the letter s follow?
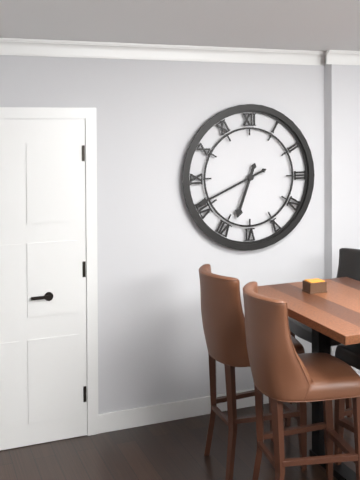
6h41
